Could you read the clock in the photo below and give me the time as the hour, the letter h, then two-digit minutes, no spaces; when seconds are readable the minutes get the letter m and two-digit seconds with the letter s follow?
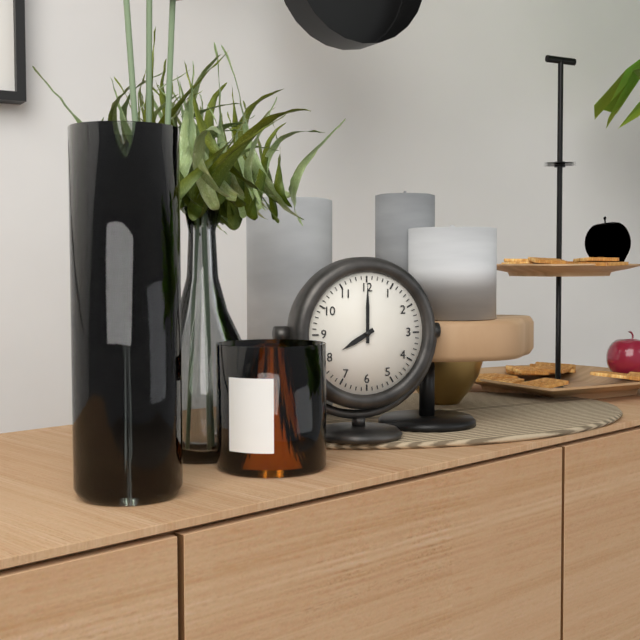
8h00
